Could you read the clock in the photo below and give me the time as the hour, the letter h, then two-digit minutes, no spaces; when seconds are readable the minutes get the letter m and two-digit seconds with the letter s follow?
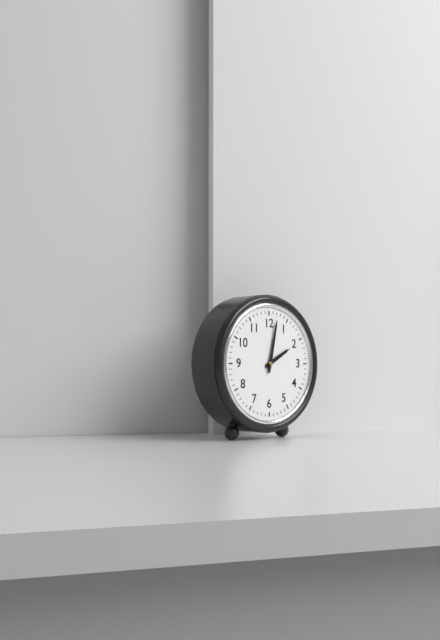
2h02
